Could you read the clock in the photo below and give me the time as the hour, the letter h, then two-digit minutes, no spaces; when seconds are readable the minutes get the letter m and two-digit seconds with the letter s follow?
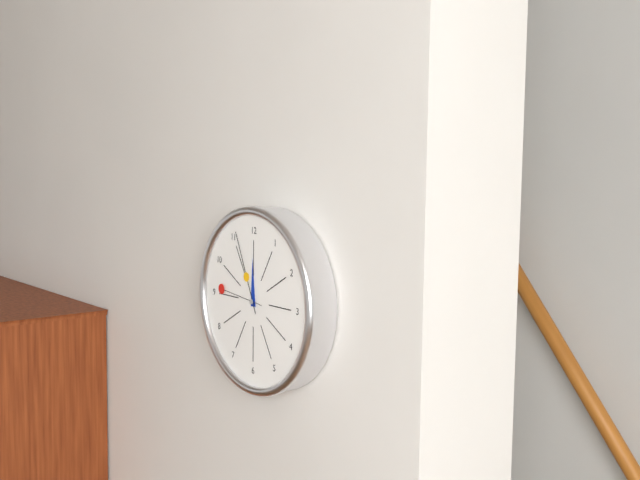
11h56
